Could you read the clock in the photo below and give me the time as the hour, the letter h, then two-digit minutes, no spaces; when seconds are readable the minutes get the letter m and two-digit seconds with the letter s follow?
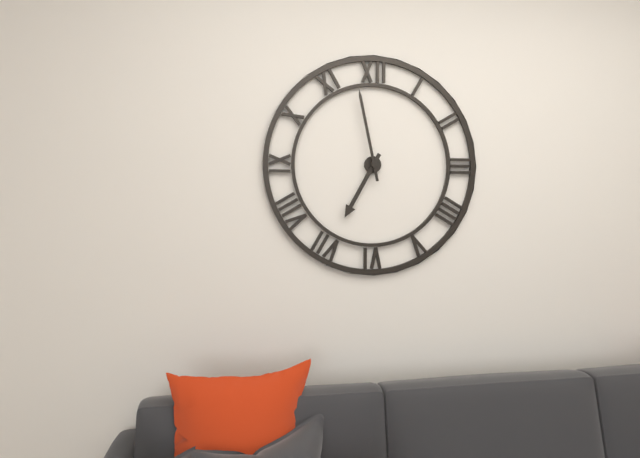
6h58
